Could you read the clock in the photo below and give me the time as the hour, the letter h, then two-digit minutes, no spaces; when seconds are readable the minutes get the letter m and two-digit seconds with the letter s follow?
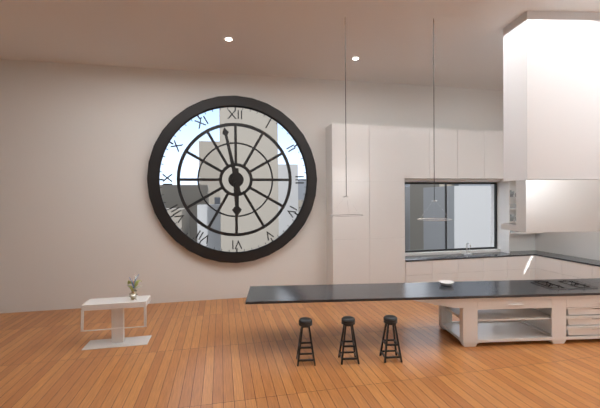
5h58
